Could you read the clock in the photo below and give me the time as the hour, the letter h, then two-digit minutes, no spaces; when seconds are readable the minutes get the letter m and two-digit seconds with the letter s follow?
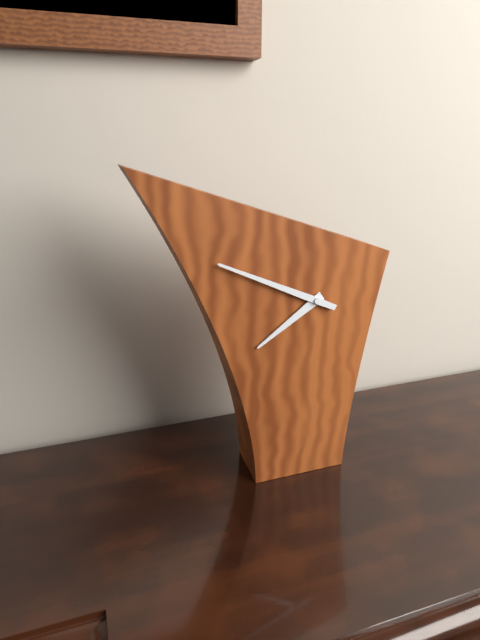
7h49
